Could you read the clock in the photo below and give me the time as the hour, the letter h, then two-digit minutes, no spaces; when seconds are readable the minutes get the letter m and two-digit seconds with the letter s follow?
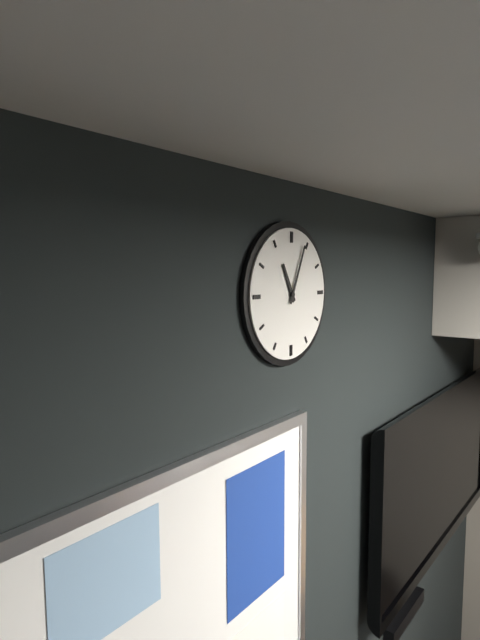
11h04
